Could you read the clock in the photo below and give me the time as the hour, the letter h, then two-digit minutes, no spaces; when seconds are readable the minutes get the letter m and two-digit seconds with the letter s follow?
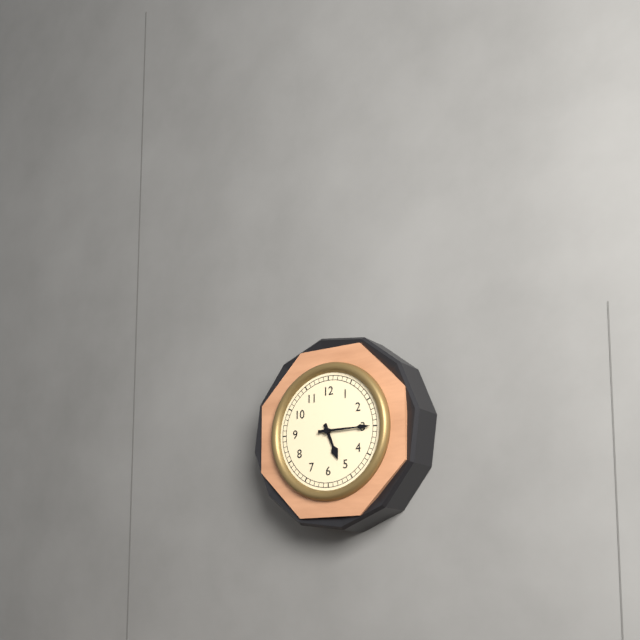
5h15
